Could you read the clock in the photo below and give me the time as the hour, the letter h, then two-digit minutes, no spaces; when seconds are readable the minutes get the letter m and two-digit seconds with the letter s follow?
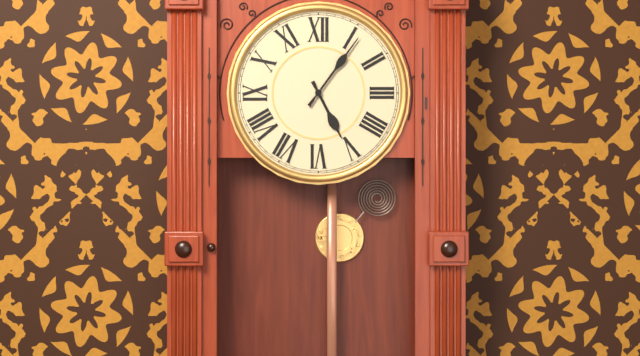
5h06
